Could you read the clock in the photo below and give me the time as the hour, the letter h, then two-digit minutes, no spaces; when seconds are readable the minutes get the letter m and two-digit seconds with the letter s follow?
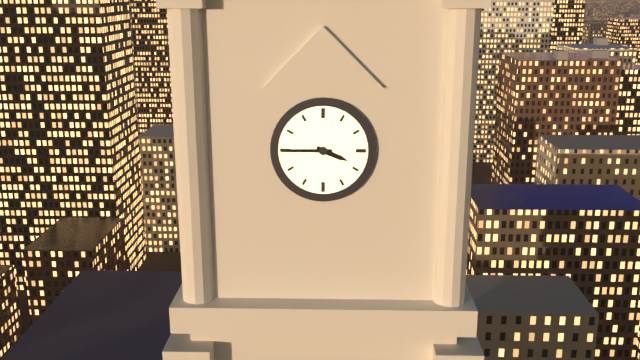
3h45
